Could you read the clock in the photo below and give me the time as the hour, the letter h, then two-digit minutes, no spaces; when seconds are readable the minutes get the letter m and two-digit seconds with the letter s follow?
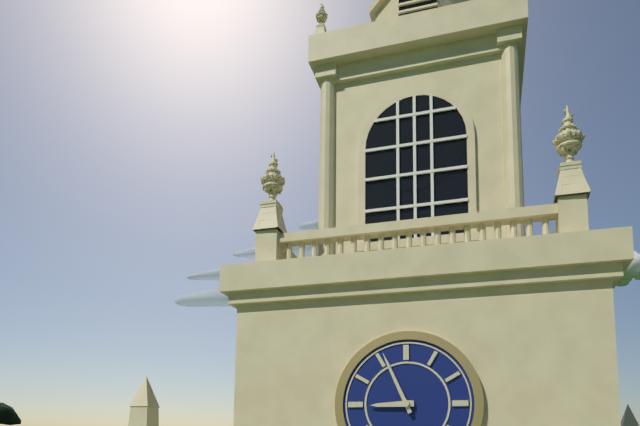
8h56
